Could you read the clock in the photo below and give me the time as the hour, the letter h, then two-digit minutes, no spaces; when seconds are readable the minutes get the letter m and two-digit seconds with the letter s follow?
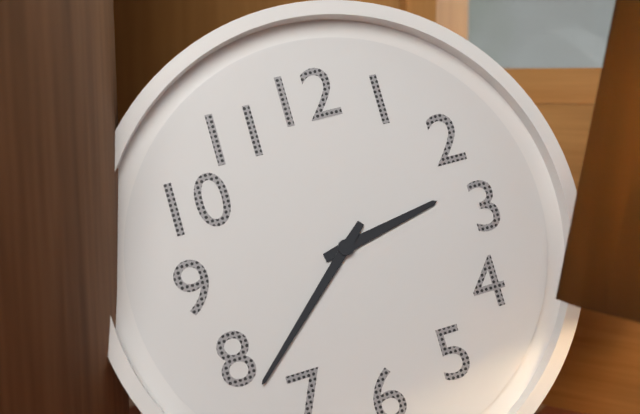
2h38
